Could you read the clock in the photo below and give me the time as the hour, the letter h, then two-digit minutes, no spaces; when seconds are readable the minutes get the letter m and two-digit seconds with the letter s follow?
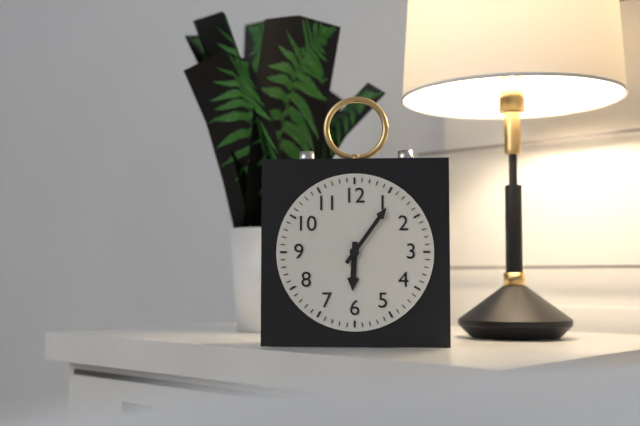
6h06
